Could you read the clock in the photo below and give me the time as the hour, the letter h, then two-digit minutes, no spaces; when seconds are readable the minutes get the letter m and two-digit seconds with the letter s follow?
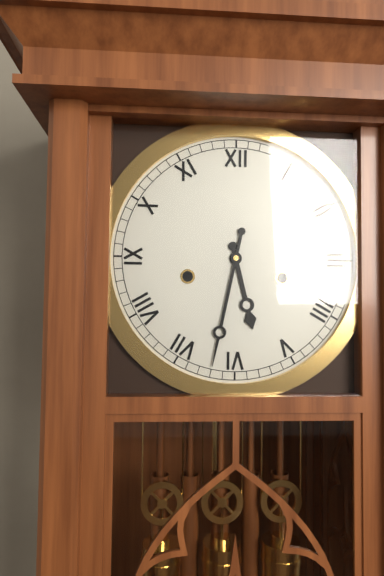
5h32
